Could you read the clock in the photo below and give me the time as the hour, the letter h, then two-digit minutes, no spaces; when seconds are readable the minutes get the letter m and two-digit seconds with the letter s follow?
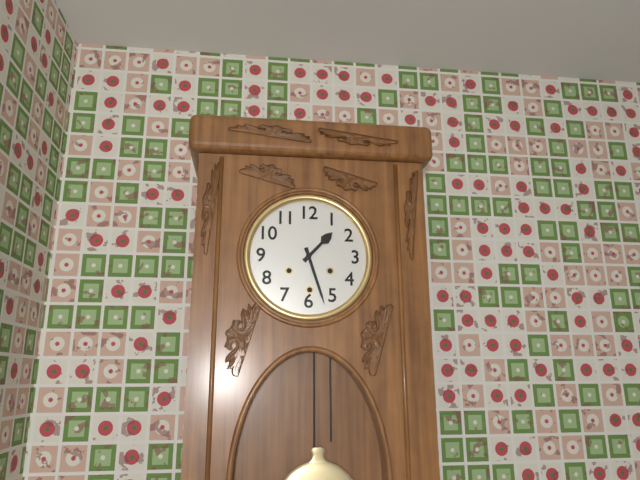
1h27
